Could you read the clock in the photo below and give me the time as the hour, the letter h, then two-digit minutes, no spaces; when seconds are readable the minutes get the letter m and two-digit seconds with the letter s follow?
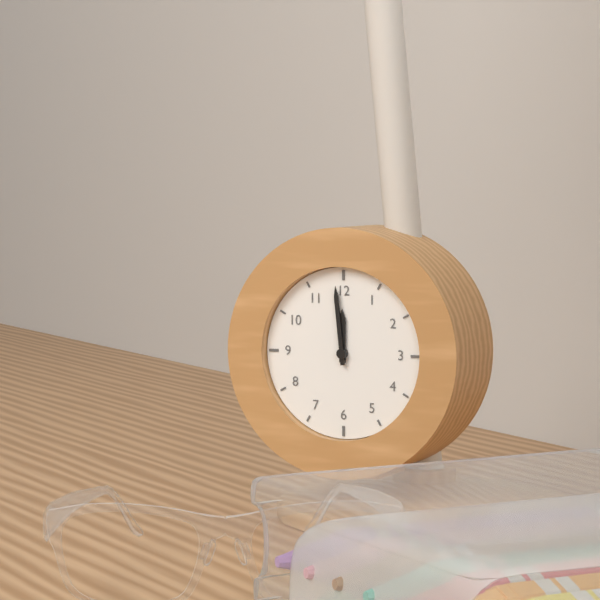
11h59
